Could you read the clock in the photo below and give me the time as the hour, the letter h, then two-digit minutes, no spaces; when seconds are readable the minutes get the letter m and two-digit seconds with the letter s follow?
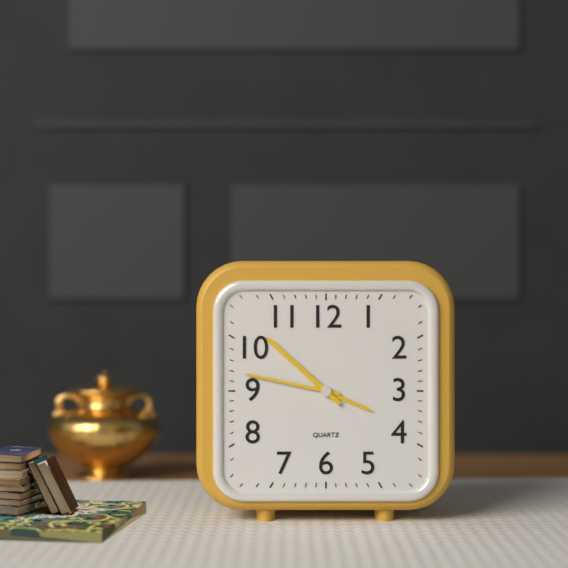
3h47m52s
